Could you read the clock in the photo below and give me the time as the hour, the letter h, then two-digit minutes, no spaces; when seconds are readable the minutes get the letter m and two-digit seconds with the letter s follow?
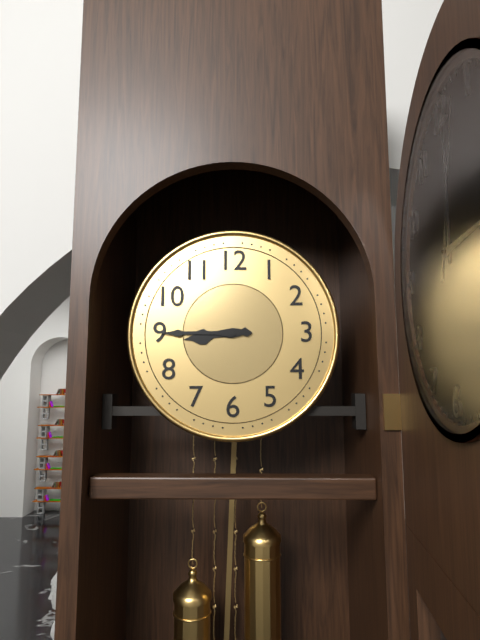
8h45
